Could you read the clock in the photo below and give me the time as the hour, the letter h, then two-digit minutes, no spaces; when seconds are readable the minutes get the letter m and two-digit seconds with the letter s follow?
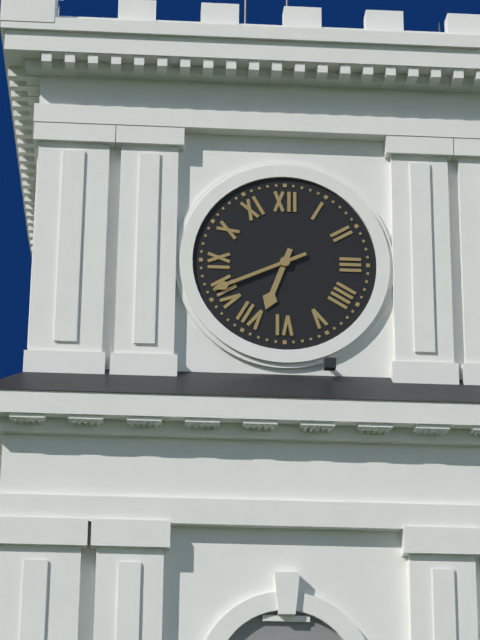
6h41
